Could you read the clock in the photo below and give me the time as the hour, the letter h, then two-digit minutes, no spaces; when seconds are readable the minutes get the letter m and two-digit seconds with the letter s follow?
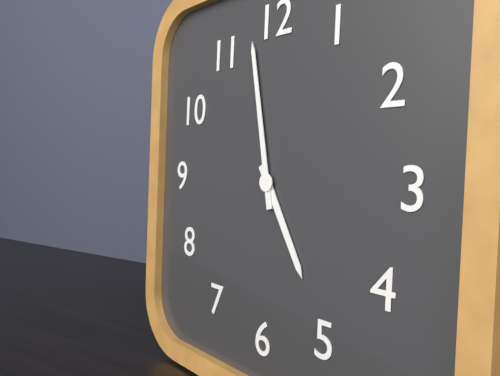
4h58
